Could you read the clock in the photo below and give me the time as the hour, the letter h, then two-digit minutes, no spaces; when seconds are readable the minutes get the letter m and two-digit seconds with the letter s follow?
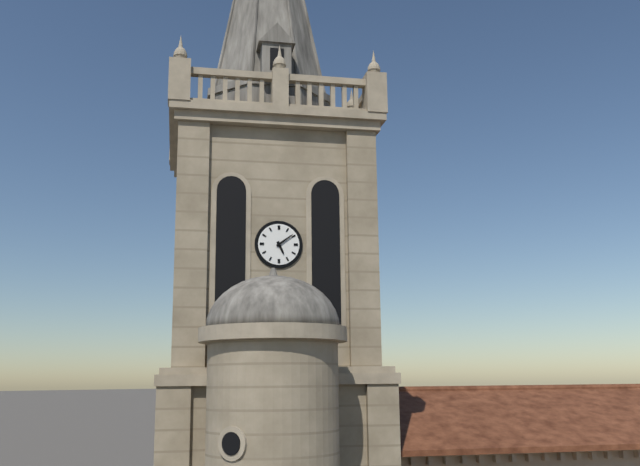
5h09
